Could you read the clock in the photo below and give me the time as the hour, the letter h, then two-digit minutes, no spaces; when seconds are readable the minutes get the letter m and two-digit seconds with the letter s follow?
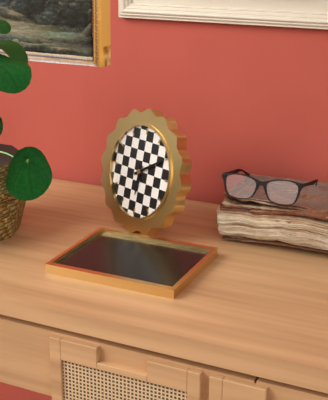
6h10
